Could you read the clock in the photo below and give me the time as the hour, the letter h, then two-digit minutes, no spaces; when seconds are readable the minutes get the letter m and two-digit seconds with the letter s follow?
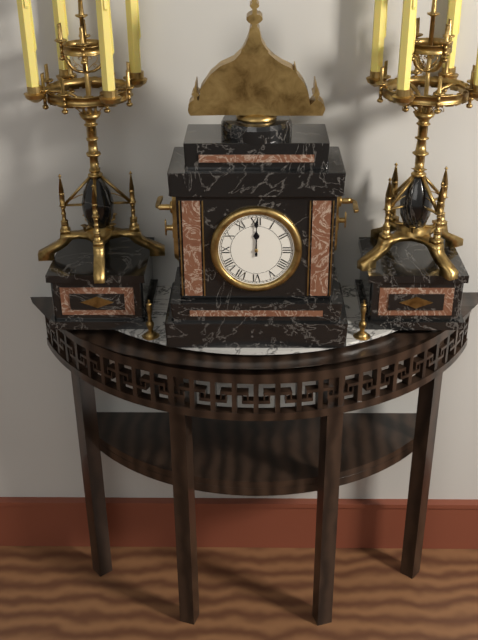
12h00
